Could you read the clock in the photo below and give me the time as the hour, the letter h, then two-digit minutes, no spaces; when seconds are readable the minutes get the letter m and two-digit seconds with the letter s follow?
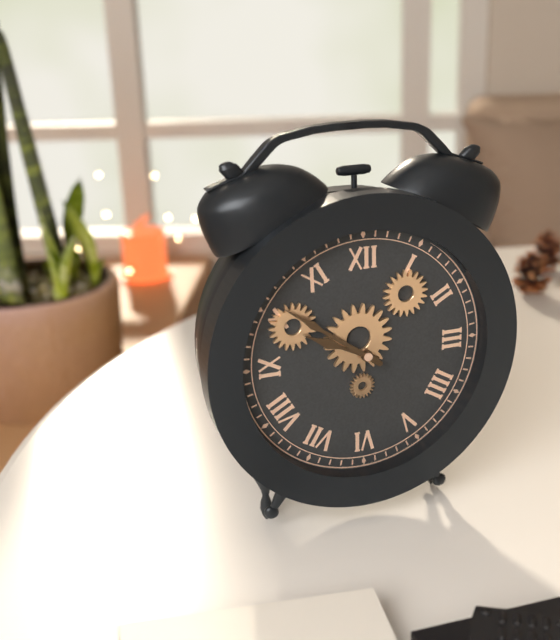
9h51
